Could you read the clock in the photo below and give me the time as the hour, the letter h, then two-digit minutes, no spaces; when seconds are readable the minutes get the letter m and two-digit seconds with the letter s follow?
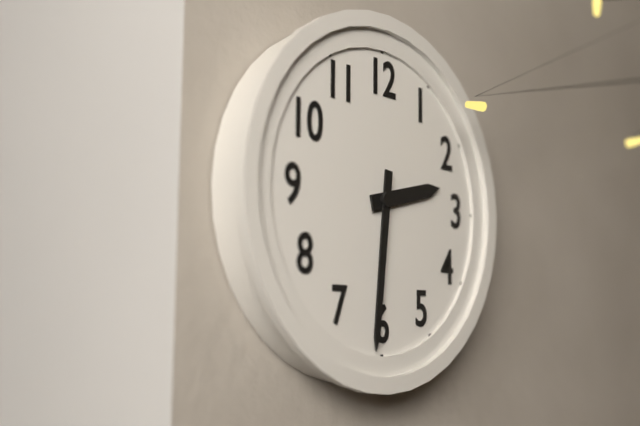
2h31
